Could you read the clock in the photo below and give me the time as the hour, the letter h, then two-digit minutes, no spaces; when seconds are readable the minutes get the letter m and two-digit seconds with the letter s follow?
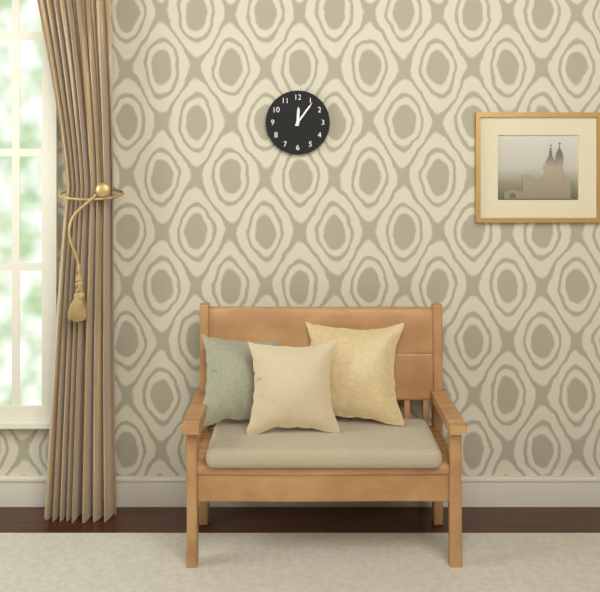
12h06
